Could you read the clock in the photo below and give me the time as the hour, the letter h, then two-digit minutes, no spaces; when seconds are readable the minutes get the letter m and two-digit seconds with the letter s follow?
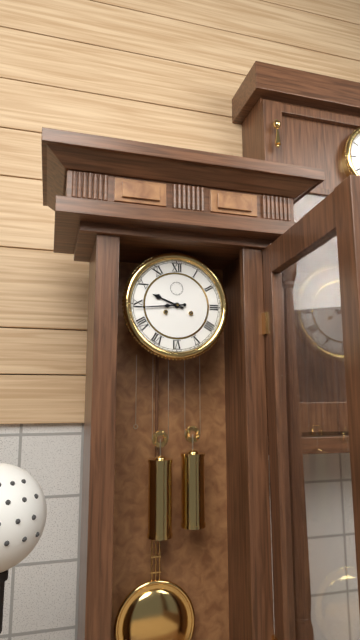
9h44
